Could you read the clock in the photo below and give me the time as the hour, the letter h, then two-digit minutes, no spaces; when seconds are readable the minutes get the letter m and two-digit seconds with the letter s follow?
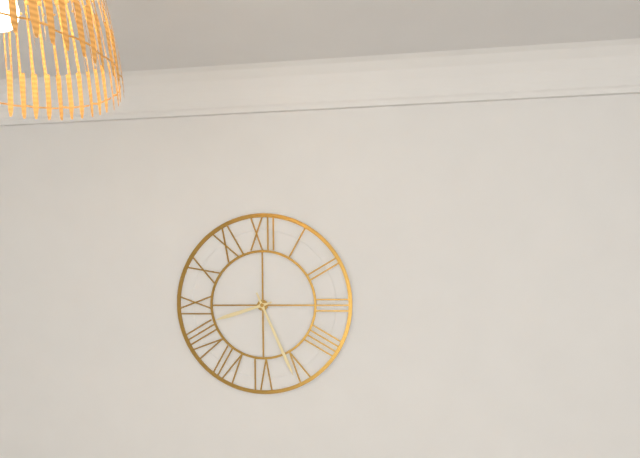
8h26
